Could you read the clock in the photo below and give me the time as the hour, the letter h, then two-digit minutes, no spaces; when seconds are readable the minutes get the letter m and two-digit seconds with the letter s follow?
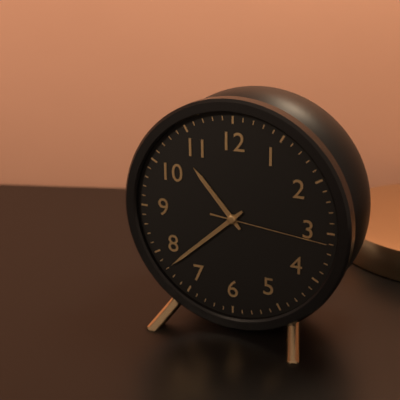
10h38m16s
